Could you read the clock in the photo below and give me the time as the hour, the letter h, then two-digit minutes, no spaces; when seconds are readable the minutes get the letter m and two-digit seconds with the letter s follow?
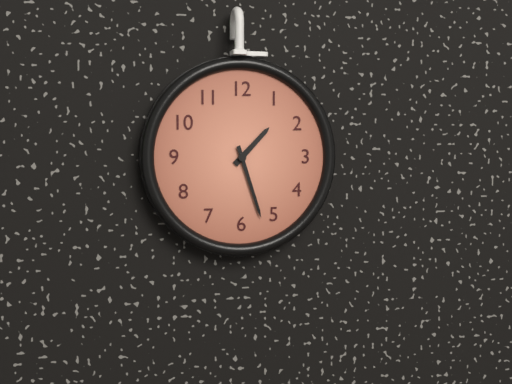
1h27
